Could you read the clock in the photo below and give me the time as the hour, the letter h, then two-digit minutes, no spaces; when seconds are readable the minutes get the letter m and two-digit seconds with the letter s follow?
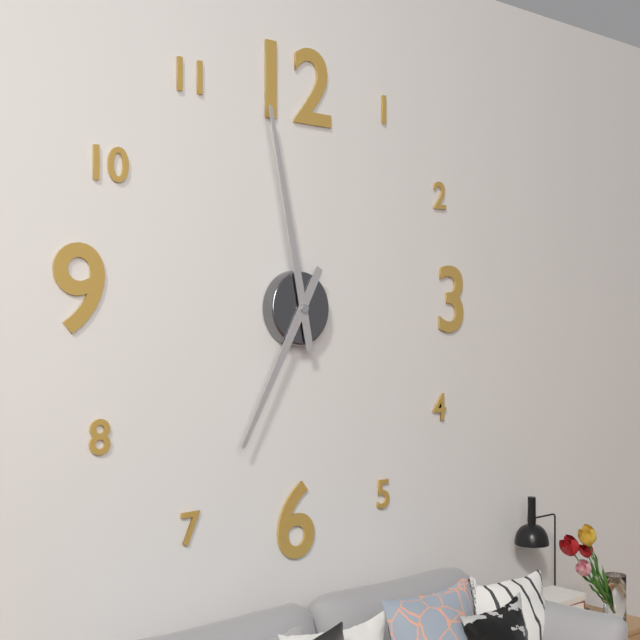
6h58
